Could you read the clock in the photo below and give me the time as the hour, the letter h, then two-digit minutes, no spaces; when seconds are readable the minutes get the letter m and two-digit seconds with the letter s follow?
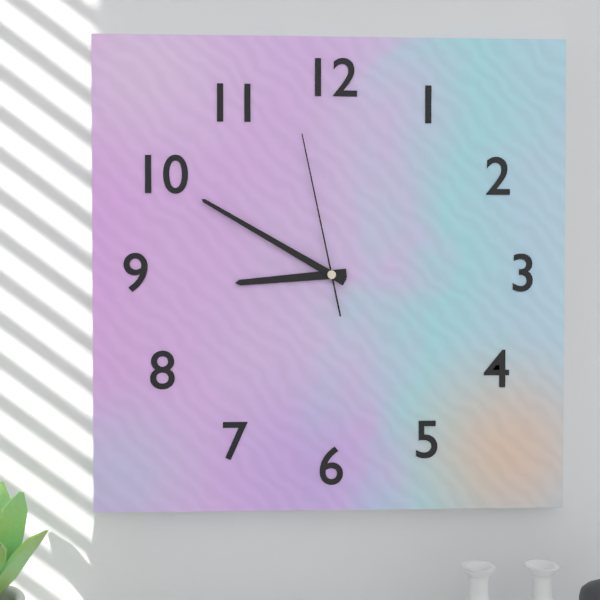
8h50m58s
